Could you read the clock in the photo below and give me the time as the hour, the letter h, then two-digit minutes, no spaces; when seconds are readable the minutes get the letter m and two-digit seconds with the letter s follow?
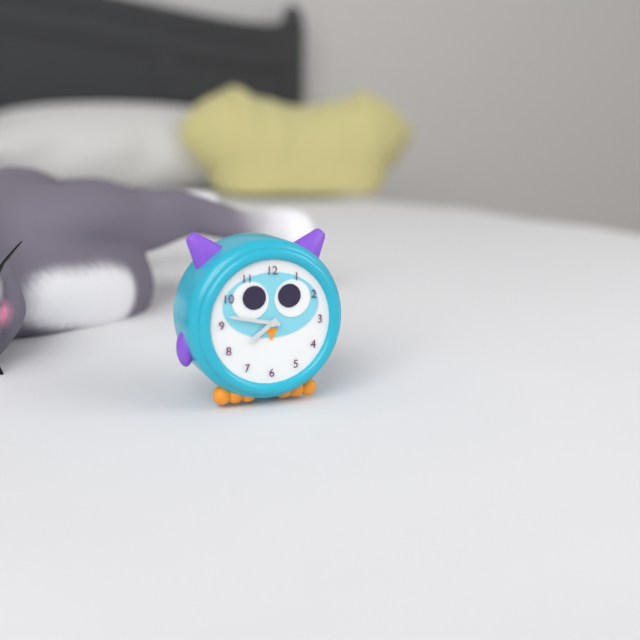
7h47
